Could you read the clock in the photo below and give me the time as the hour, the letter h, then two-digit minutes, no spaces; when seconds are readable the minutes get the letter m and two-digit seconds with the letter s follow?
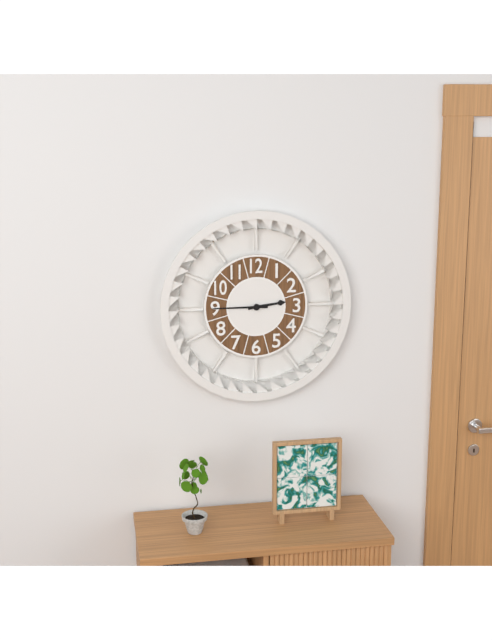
2h45
